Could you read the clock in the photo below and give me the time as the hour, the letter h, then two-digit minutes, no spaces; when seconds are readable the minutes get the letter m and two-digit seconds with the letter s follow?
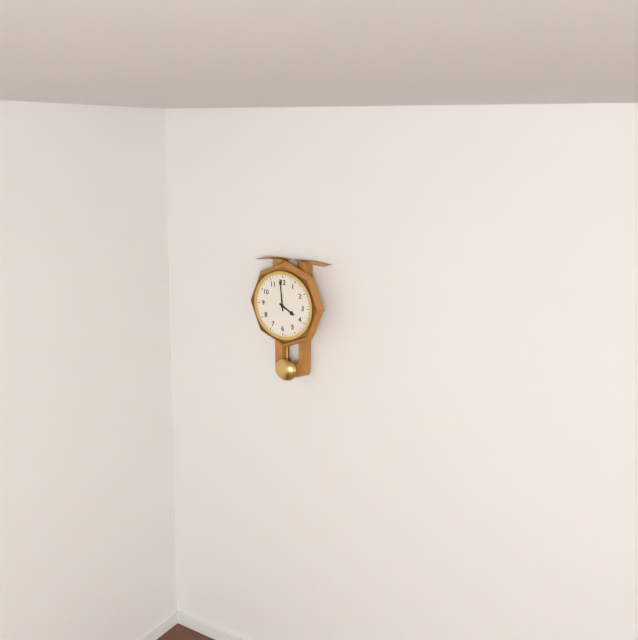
3h59
